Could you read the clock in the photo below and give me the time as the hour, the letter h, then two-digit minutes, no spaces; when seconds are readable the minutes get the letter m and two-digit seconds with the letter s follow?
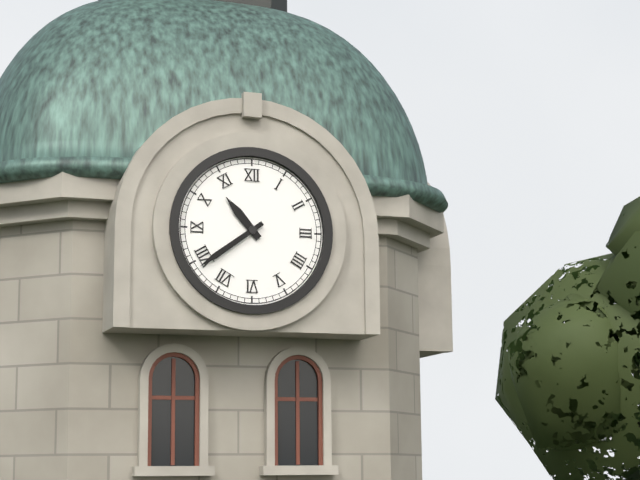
10h39
